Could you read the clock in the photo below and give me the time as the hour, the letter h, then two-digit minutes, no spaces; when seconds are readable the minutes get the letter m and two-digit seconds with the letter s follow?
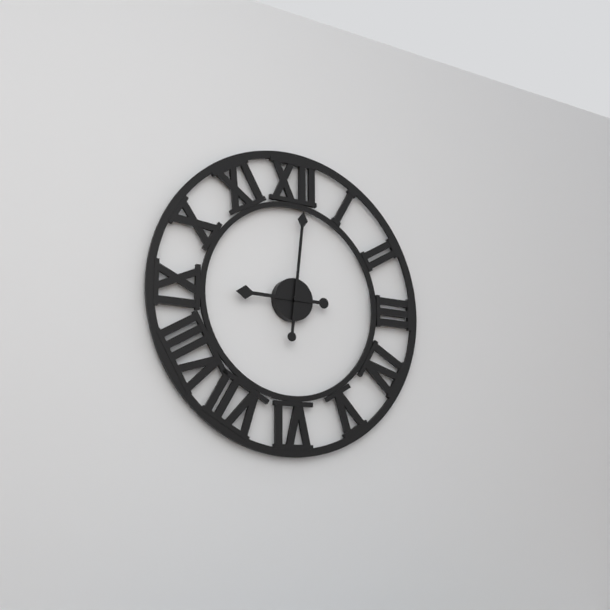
9h01
